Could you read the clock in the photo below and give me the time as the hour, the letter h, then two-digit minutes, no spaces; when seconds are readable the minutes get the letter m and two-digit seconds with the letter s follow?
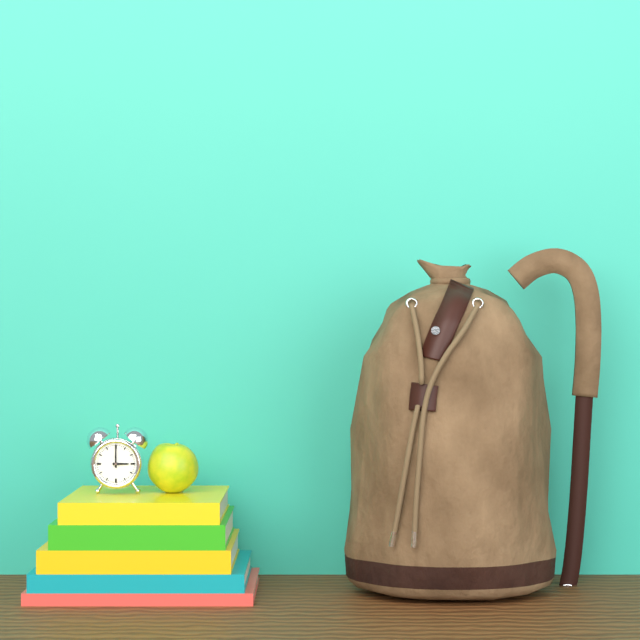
3h00
